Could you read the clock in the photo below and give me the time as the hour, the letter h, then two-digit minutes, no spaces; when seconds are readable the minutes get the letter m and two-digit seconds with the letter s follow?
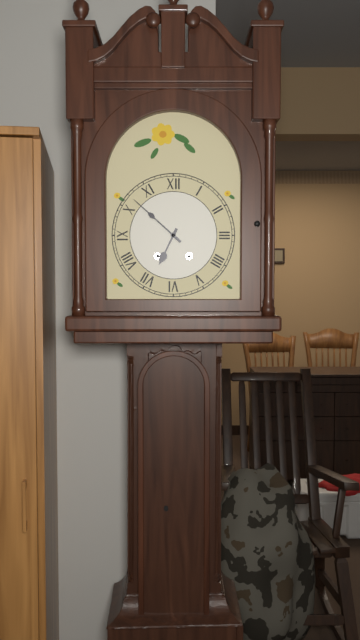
6h52
